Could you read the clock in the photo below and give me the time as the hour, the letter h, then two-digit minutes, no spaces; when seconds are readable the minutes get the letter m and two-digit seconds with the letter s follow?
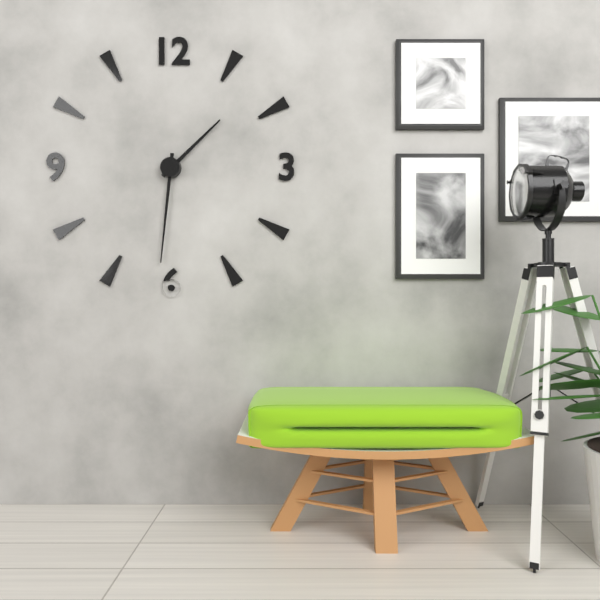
1h31
